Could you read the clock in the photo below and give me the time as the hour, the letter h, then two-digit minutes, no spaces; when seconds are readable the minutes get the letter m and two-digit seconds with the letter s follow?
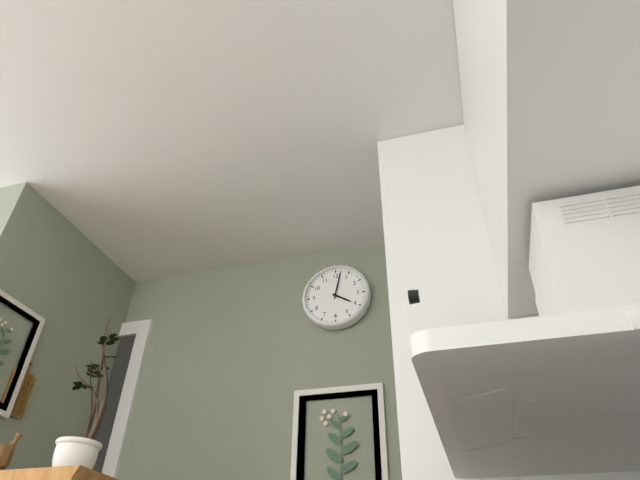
4h02
